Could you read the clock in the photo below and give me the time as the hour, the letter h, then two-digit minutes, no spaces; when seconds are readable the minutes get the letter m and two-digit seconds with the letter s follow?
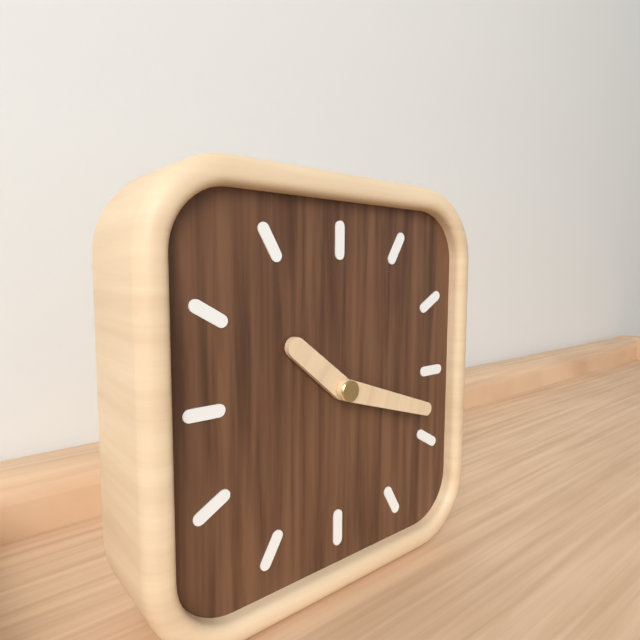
10h18
